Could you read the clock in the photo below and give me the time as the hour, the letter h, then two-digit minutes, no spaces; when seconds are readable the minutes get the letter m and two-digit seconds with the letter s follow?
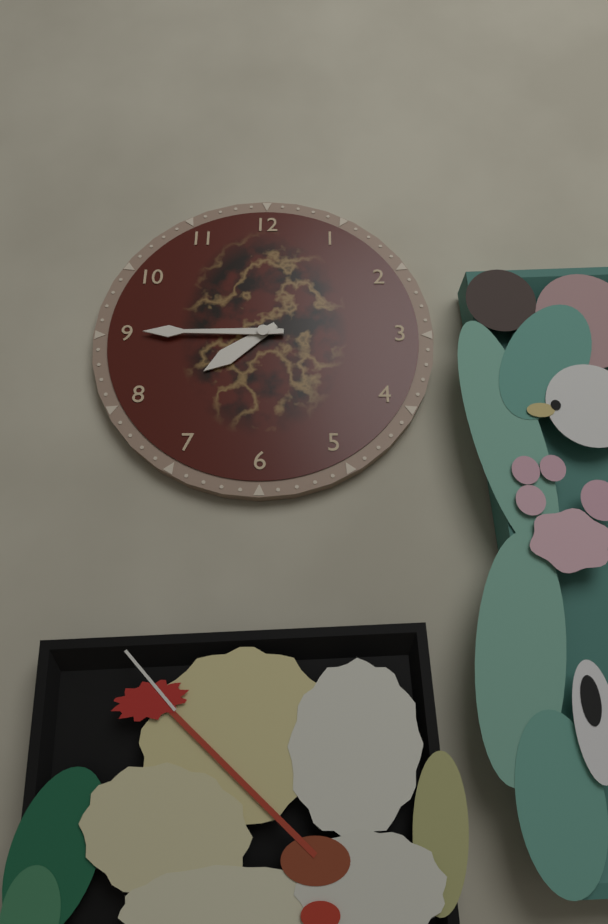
7h45
